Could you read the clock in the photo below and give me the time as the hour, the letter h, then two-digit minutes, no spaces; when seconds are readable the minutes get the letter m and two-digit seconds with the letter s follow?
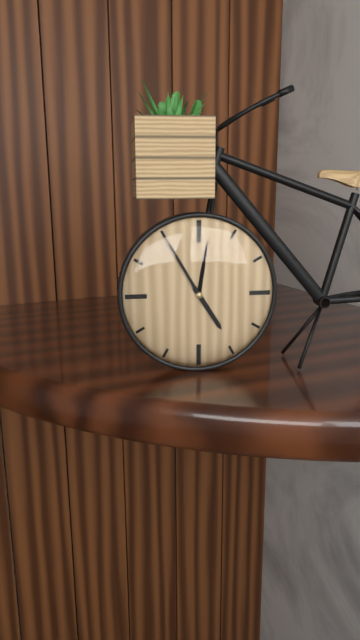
4h55
